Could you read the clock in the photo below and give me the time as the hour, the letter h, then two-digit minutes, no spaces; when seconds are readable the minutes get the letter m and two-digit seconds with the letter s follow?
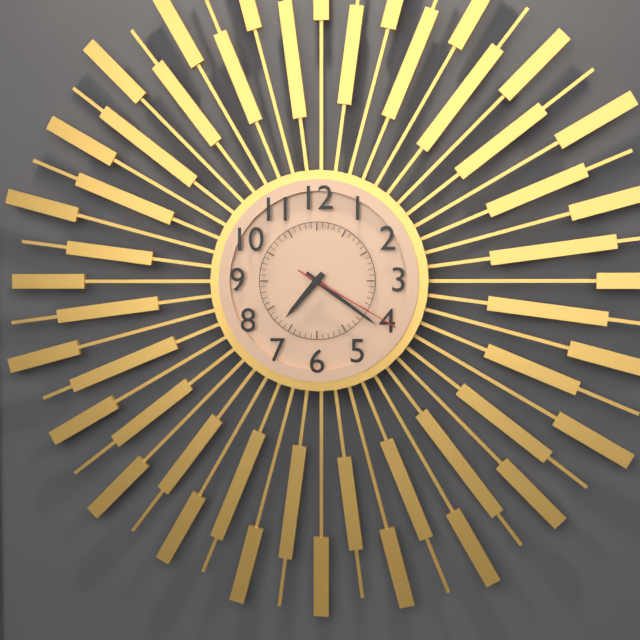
7h21m20s
